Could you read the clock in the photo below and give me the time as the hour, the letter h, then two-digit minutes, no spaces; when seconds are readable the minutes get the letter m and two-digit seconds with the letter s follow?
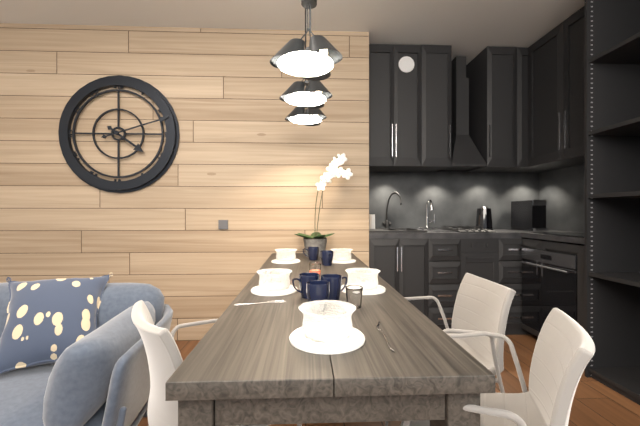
4h12
